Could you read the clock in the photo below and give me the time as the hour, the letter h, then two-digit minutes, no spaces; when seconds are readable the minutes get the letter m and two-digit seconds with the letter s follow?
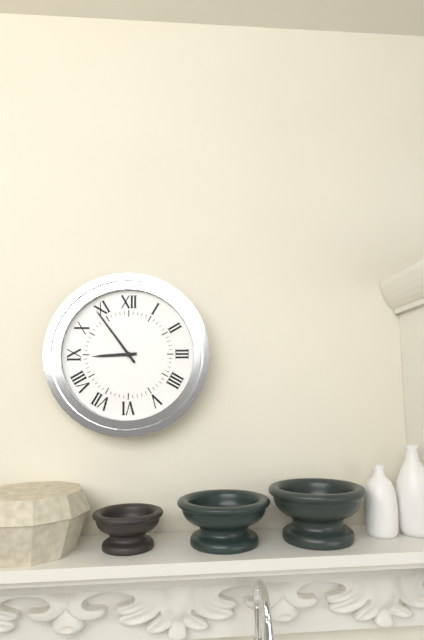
8h54
